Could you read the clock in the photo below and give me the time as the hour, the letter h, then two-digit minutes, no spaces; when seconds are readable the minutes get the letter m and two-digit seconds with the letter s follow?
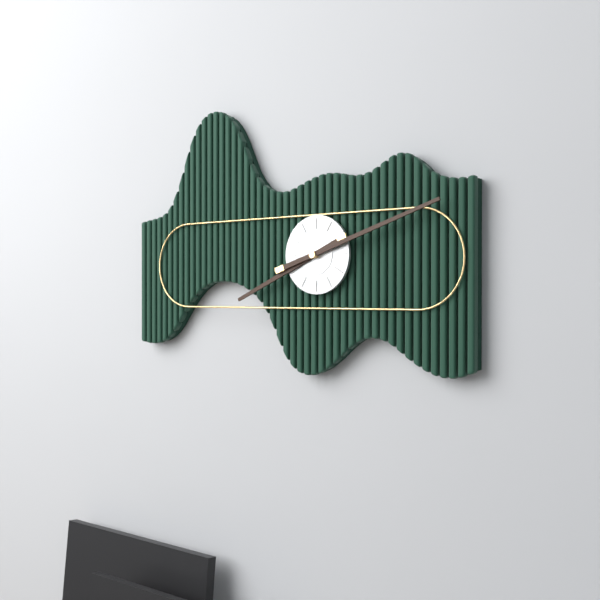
8h12
